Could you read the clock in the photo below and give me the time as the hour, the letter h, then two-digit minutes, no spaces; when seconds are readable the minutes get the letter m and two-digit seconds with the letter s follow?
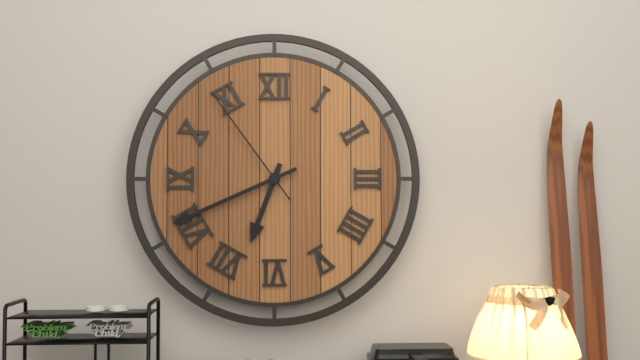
6h41m54s
